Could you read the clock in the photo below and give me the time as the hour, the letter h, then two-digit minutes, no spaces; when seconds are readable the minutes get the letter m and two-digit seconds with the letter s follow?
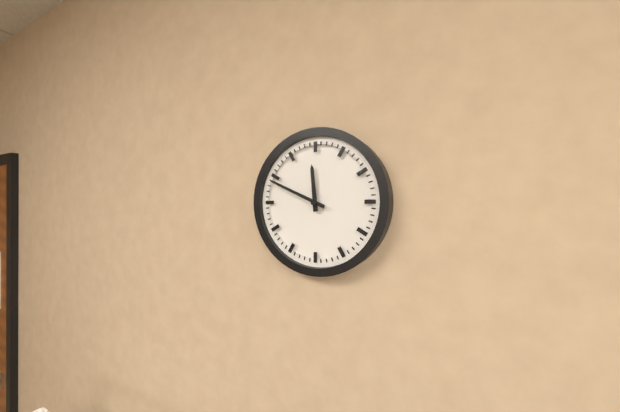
11h49
